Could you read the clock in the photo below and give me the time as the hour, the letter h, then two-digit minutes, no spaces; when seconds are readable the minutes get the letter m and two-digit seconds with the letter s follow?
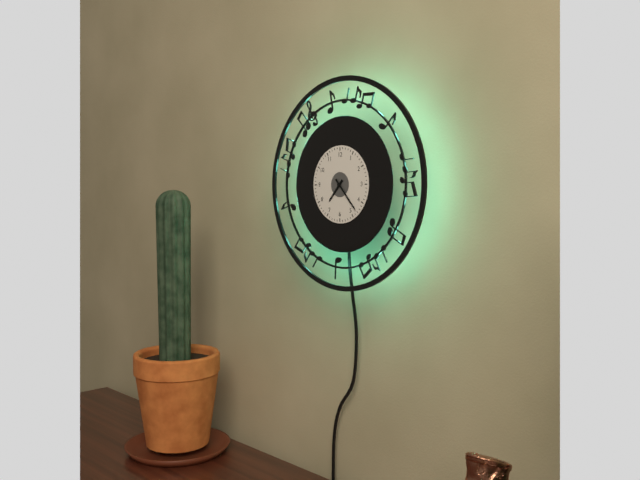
7h23
